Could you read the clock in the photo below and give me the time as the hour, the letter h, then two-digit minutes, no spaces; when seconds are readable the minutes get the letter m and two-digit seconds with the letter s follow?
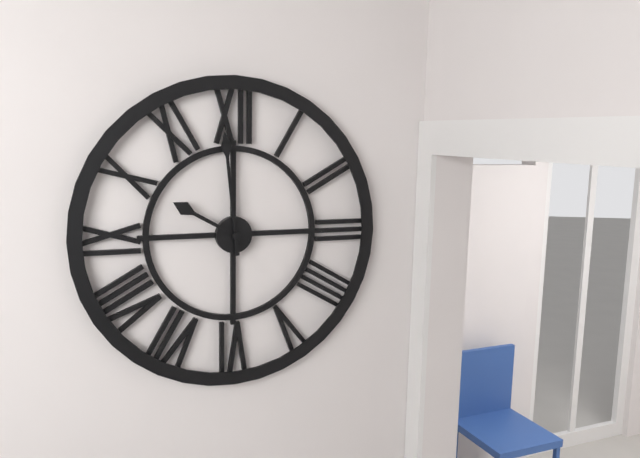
9h59
